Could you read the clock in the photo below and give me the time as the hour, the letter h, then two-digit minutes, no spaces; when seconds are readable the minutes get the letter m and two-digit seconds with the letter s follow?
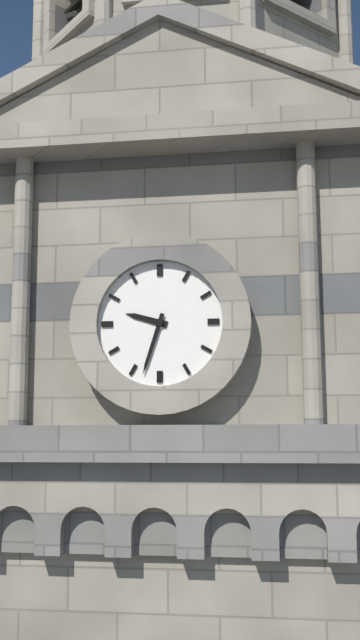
9h33
